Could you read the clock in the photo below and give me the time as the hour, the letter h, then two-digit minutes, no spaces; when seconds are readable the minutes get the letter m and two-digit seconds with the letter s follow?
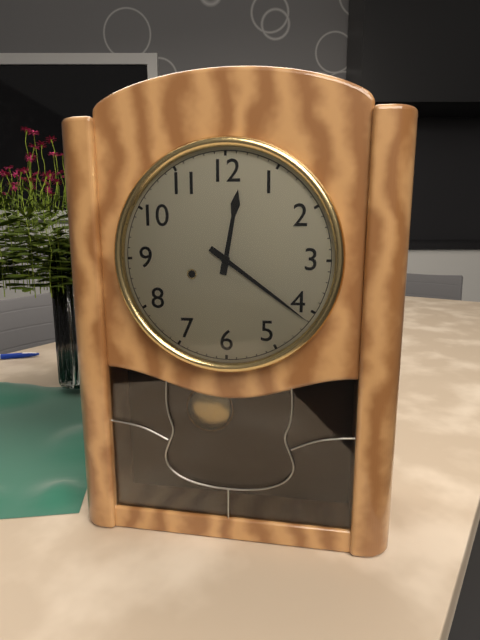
12h21
